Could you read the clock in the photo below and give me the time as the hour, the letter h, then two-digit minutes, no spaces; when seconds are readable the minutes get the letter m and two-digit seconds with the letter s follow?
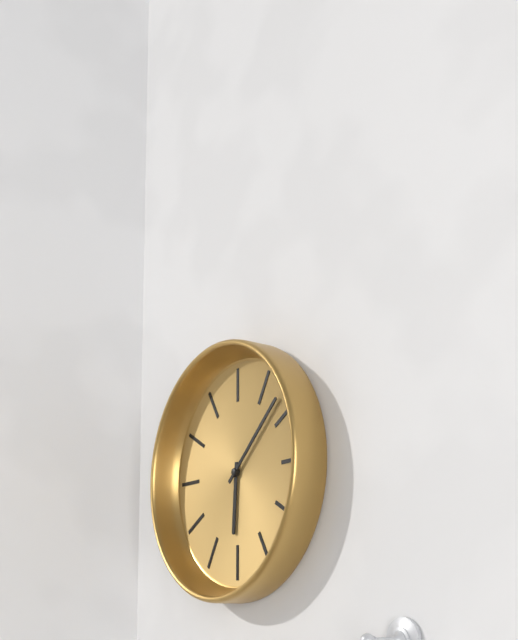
6h08
